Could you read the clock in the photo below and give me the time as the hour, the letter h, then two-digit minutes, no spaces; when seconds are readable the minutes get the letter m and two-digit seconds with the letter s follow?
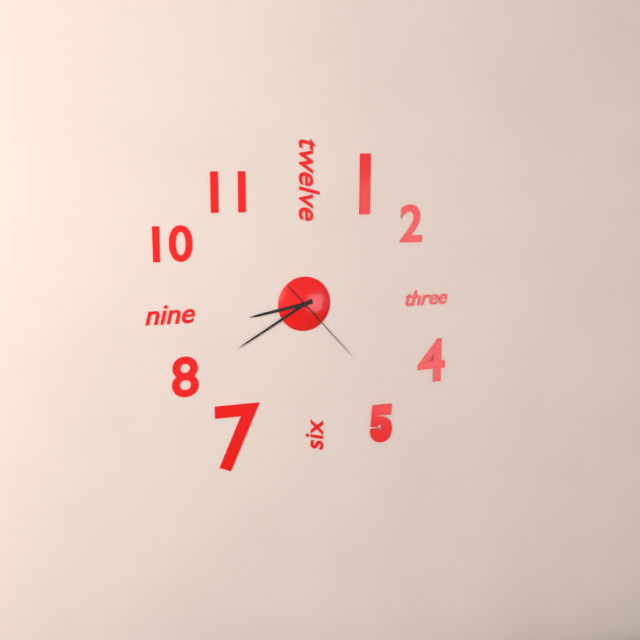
8h40m23s
